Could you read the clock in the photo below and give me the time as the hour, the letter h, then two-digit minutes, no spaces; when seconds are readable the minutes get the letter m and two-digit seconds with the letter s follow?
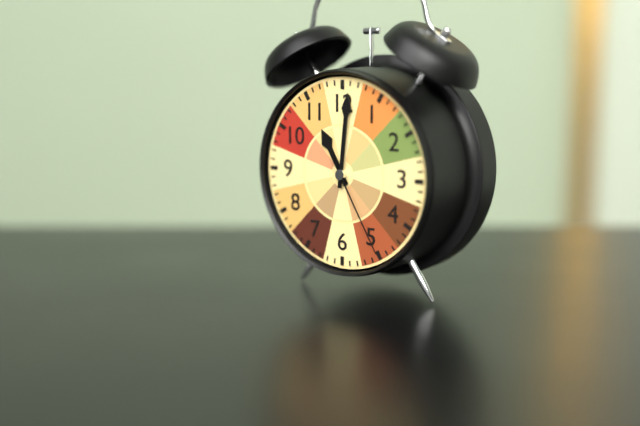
11h01m25s
